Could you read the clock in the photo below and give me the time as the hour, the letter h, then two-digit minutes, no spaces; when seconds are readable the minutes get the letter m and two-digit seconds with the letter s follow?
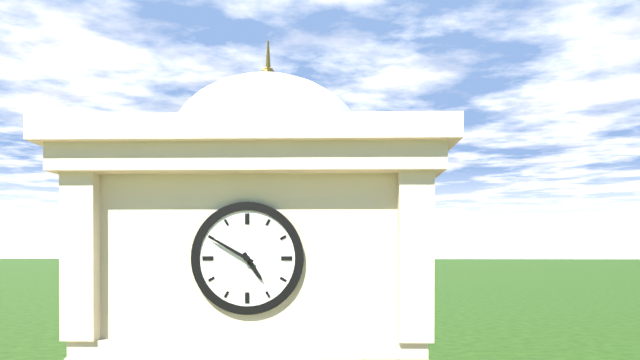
4h50
